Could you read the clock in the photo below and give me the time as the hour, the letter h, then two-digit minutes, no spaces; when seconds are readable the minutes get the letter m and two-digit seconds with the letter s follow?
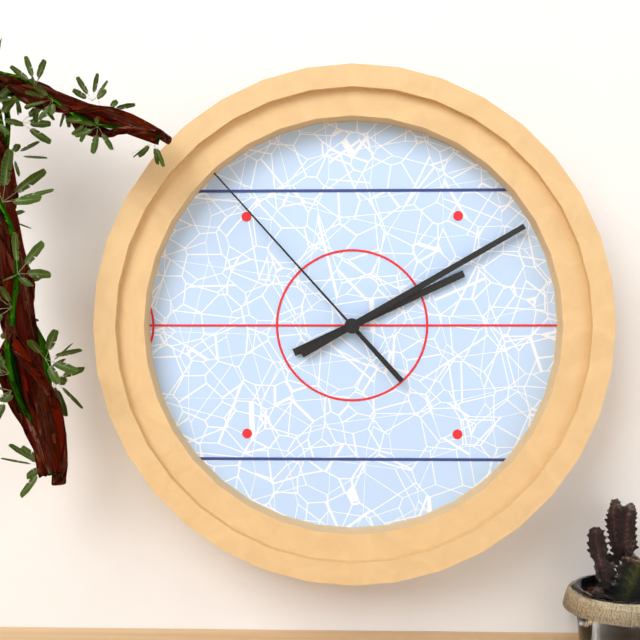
2h10m53s
